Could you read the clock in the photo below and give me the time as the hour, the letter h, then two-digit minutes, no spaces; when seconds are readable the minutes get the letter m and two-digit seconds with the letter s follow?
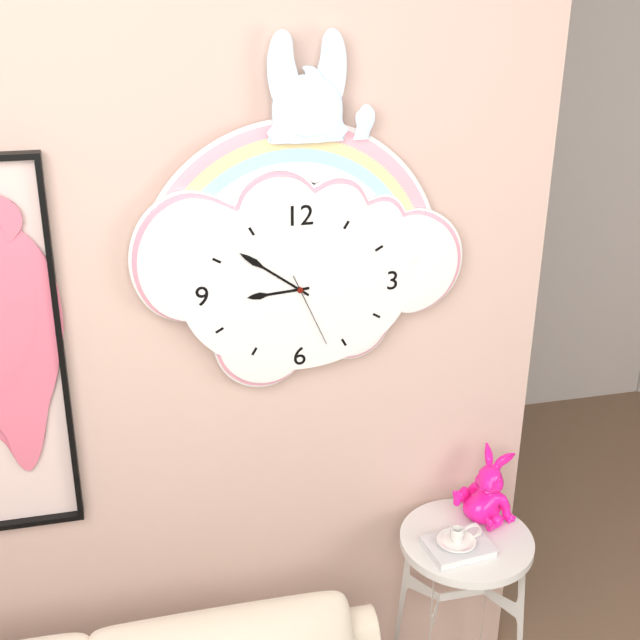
8h51m26s
